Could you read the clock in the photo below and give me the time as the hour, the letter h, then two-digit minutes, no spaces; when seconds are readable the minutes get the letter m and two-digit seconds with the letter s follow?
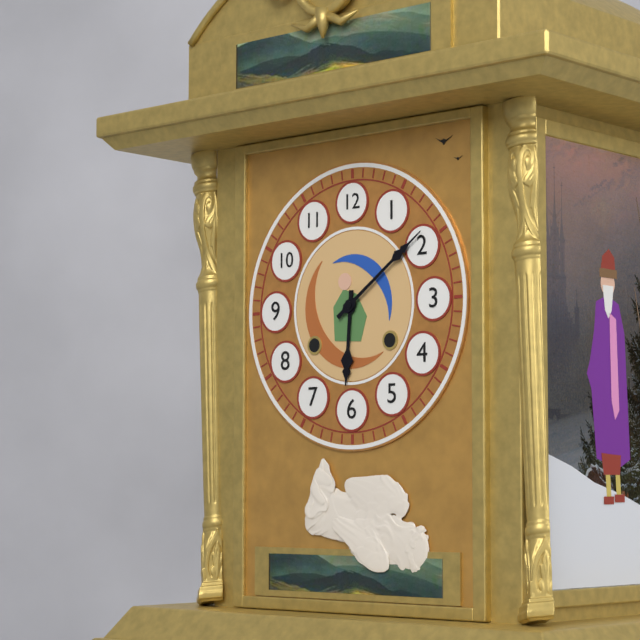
6h09
